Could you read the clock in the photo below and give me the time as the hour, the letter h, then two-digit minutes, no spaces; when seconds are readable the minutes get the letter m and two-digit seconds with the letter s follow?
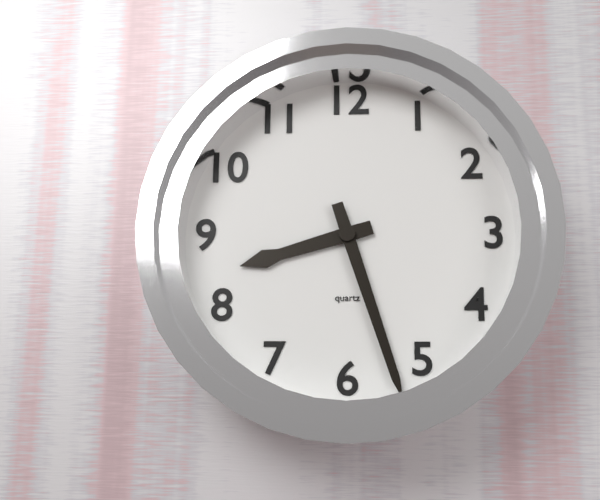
8h27
